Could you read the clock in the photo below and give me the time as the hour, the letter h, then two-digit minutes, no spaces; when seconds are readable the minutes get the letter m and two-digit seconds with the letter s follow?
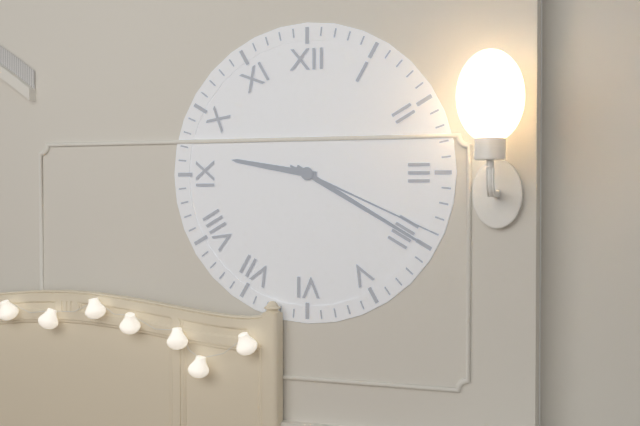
9h20m19s
